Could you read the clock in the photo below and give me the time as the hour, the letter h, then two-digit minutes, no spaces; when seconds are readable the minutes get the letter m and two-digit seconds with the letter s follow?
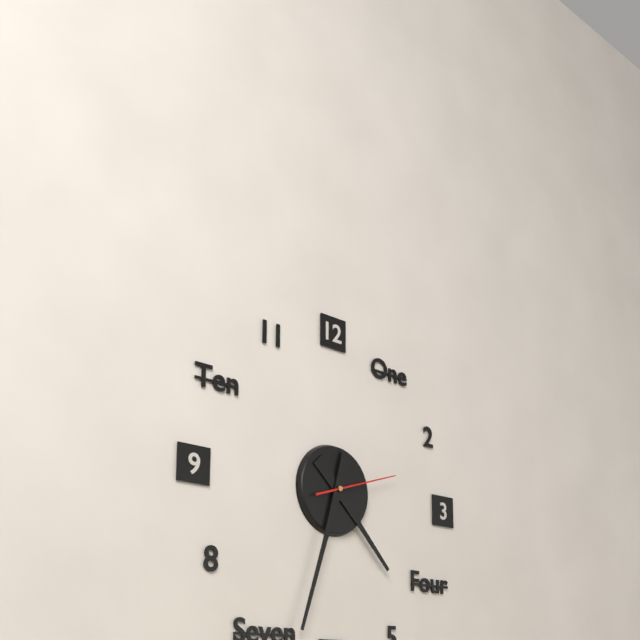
4h33m12s
